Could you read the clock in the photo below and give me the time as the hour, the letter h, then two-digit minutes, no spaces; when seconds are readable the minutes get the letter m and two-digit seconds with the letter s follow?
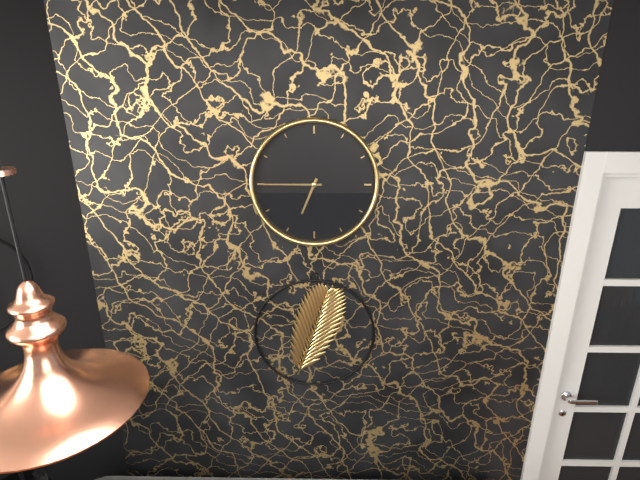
6h45
